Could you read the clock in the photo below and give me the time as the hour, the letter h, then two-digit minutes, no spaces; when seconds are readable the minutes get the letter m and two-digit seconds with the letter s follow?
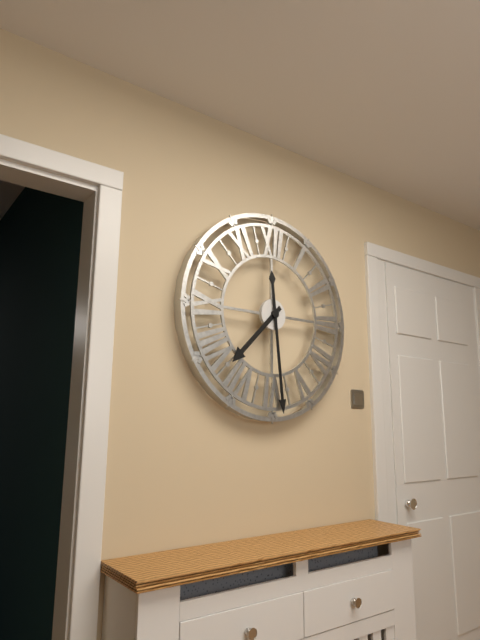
7h29
